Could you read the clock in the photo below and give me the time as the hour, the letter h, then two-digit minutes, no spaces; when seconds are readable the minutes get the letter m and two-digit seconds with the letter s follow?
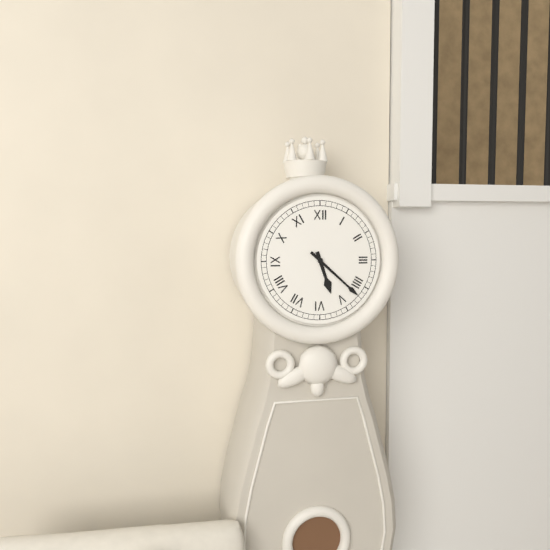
5h22
